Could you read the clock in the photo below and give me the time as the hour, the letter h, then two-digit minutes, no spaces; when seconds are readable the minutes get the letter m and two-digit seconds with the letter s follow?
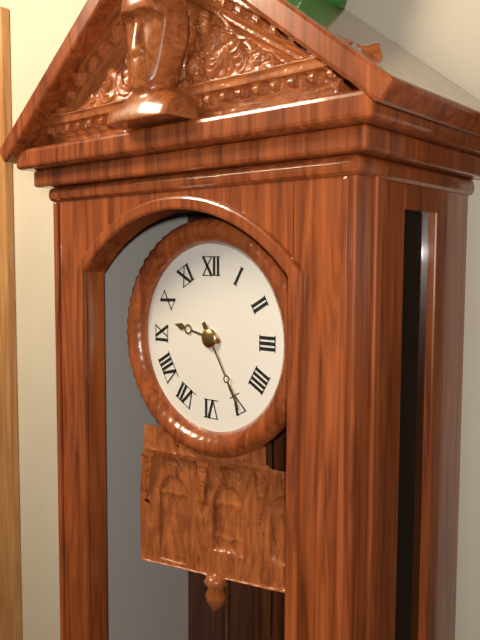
9h25
